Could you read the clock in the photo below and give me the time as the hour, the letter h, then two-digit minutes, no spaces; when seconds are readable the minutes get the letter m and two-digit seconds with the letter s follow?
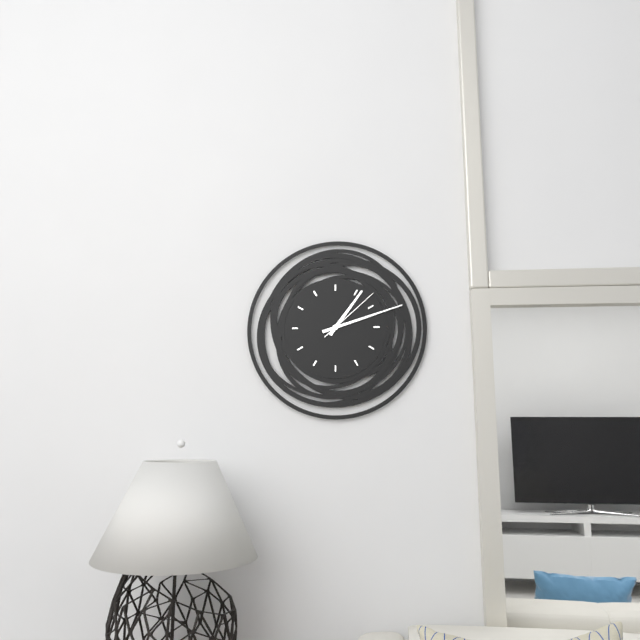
1h12m08s
